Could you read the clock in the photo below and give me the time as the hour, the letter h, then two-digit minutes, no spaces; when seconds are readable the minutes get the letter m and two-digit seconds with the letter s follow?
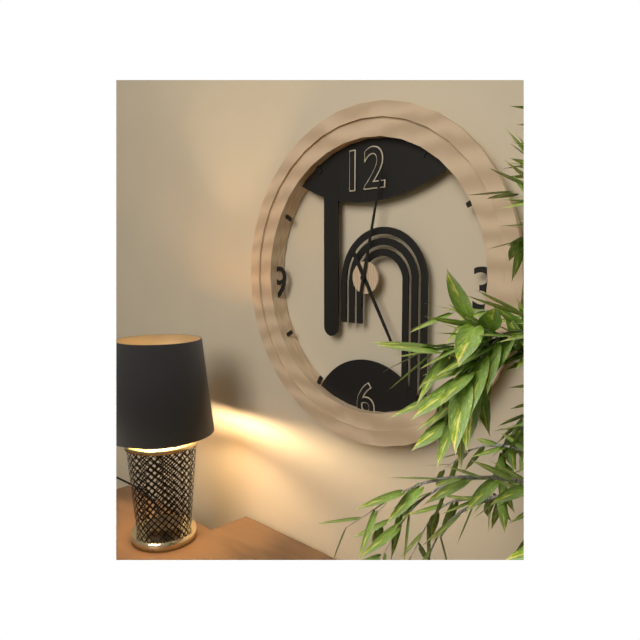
5h02
